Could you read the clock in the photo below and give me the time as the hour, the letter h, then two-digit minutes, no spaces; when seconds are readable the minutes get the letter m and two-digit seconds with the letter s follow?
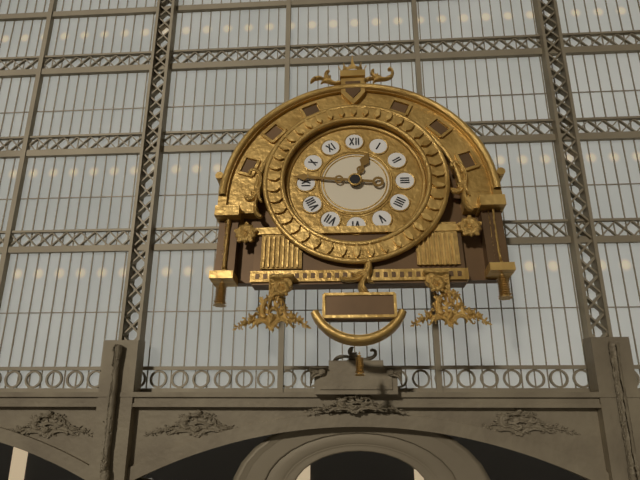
12h46
